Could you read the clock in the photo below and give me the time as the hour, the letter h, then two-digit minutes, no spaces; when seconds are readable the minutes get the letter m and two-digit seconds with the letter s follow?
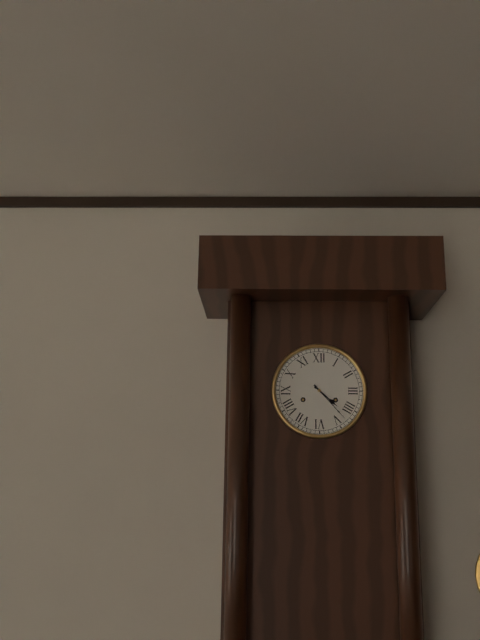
4h23
